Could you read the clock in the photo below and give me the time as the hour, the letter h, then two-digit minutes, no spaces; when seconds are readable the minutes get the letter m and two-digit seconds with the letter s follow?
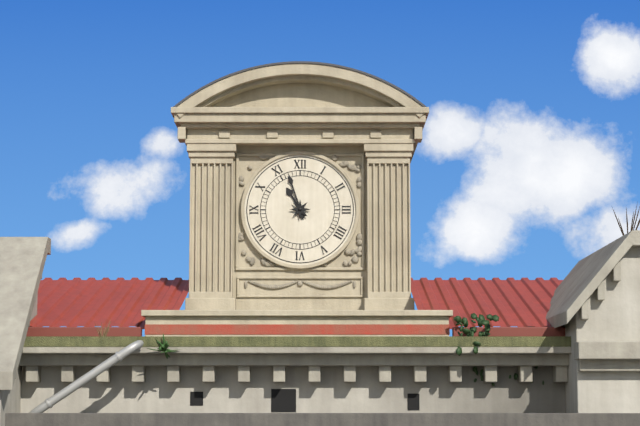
10h57
